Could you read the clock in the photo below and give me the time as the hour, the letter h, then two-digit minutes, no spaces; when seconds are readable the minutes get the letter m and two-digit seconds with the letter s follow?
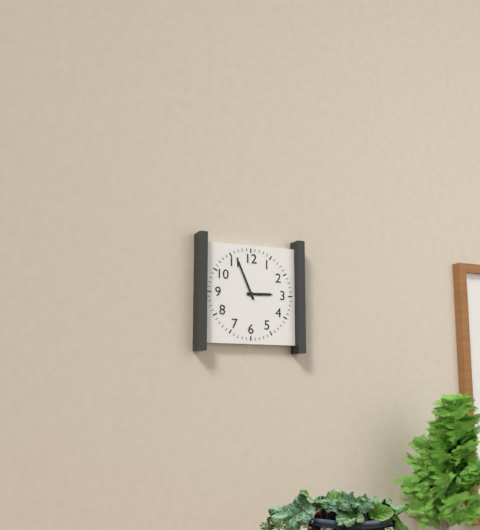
2h56
